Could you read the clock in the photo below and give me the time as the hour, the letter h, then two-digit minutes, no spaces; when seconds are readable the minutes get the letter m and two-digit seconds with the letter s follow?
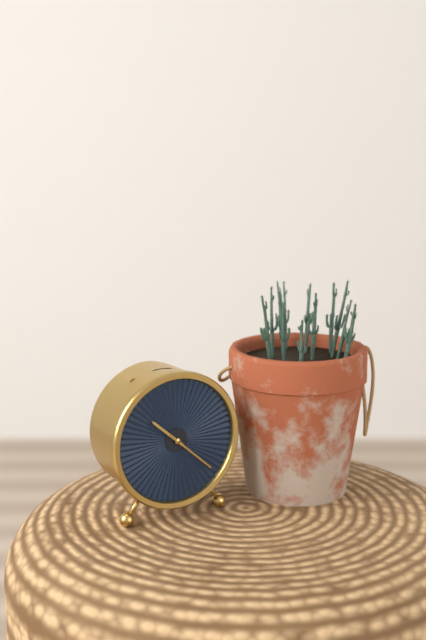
10h22
